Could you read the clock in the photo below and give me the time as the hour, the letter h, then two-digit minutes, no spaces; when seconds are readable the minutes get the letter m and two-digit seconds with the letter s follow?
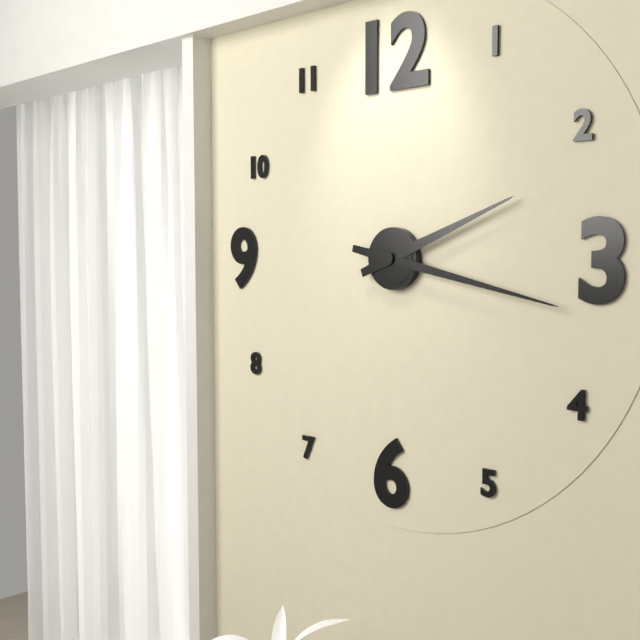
2h17
